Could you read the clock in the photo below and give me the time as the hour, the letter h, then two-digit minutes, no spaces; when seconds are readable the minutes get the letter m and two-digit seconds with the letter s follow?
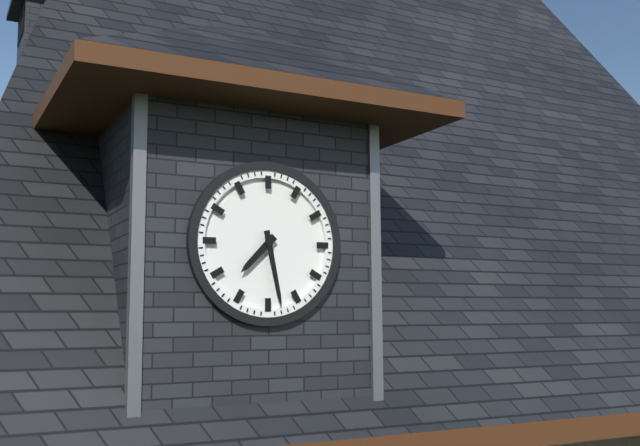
7h28
